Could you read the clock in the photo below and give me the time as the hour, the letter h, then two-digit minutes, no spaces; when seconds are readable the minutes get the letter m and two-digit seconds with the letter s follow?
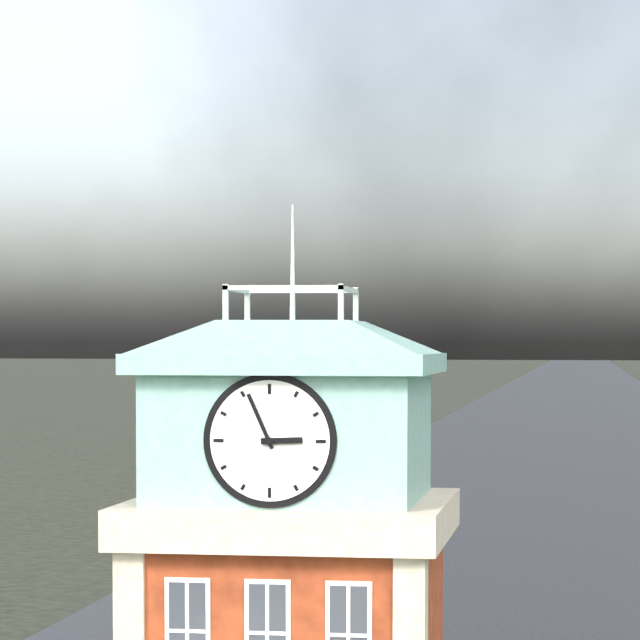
2h56
